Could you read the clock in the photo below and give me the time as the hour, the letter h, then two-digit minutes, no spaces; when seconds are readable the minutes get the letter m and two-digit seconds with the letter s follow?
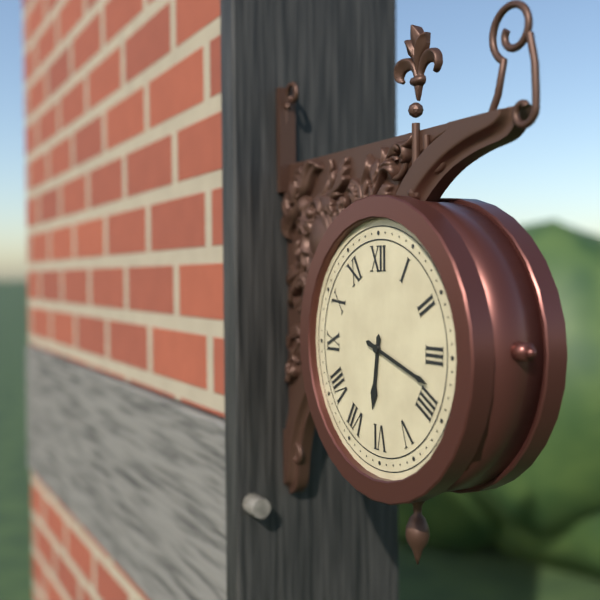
6h18
